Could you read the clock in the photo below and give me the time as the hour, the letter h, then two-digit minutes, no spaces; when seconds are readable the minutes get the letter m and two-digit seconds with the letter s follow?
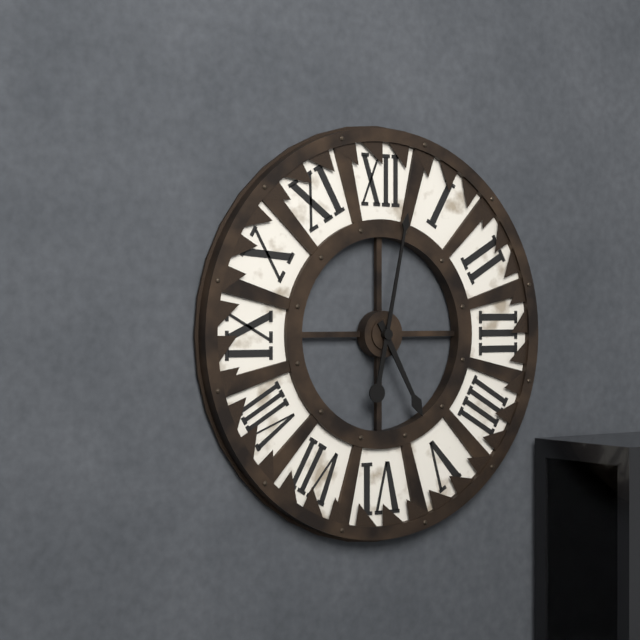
5h02
